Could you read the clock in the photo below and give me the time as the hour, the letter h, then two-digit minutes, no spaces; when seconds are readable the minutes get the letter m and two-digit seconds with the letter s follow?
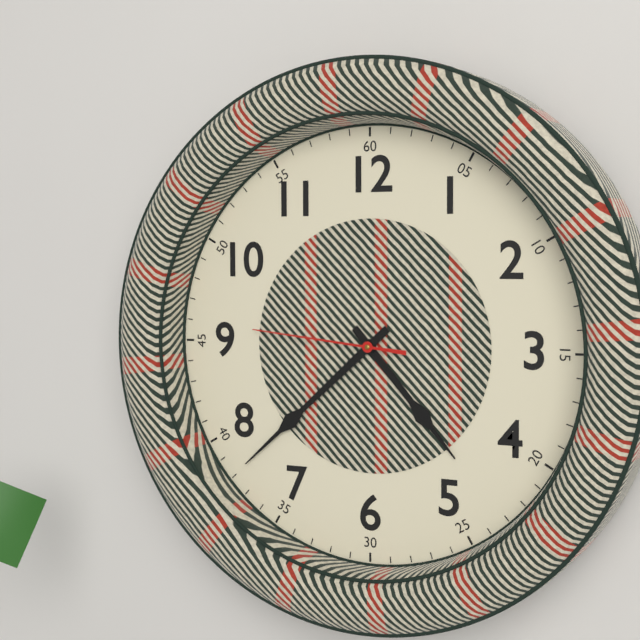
4h38m46s
